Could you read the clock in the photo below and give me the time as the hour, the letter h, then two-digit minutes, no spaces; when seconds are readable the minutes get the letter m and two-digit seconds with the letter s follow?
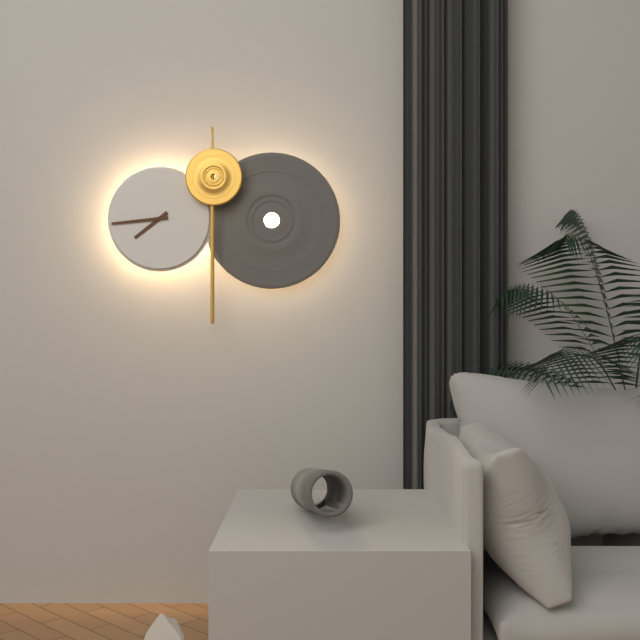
7h44
